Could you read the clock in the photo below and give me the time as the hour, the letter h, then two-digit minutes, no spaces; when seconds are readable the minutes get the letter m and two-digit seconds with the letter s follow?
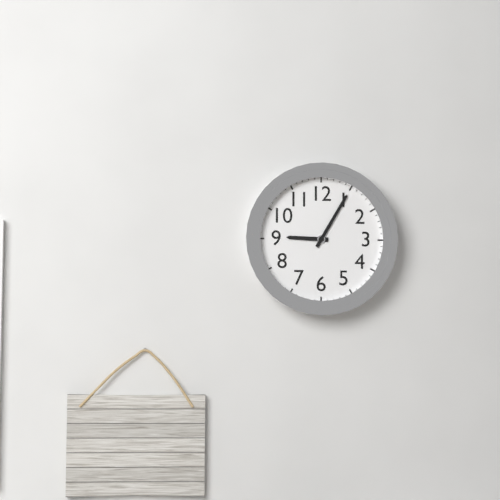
9h05
